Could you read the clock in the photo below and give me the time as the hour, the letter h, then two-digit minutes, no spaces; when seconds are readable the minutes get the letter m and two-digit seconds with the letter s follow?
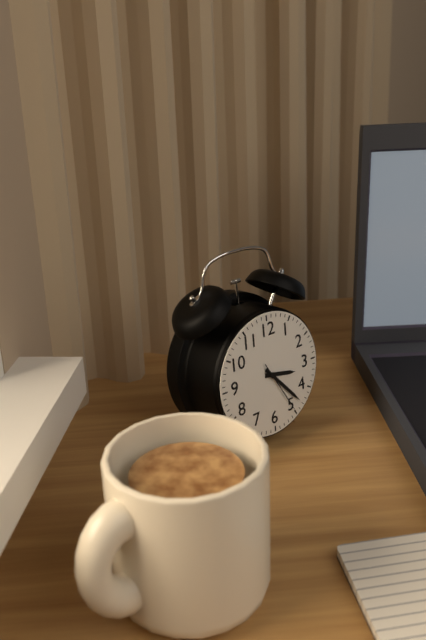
3h23m25s
